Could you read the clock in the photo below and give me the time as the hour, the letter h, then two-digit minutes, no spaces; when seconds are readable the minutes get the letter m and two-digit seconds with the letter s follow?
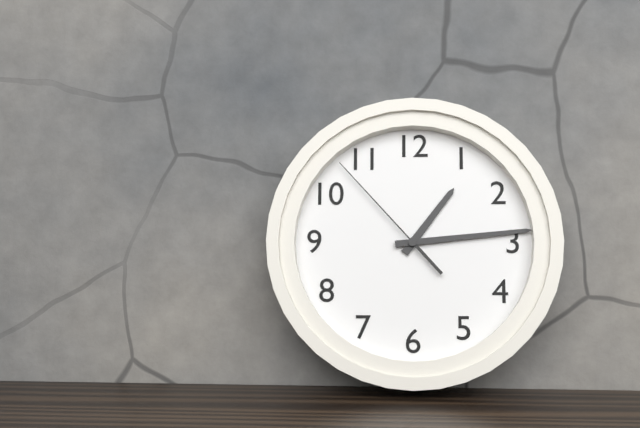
1h14m53s
